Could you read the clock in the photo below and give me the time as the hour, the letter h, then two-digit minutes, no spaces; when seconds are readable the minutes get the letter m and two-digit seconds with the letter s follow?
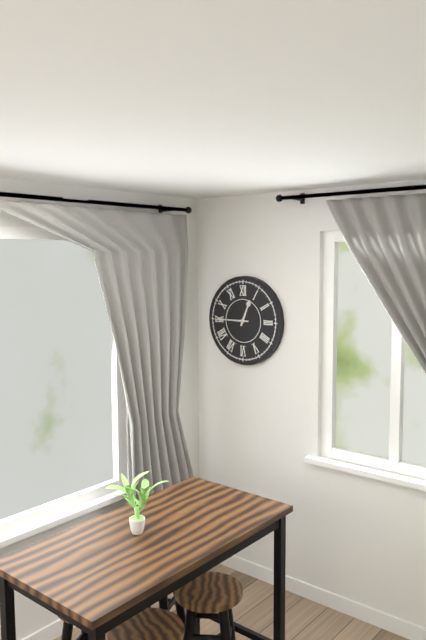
12h45
